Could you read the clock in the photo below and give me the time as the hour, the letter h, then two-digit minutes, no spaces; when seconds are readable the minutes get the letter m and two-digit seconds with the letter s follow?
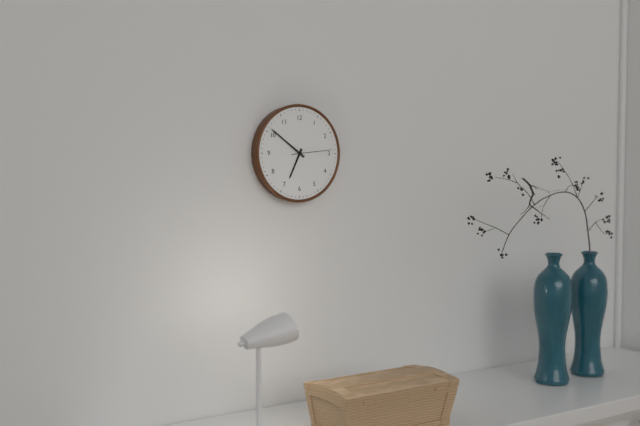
6h51
